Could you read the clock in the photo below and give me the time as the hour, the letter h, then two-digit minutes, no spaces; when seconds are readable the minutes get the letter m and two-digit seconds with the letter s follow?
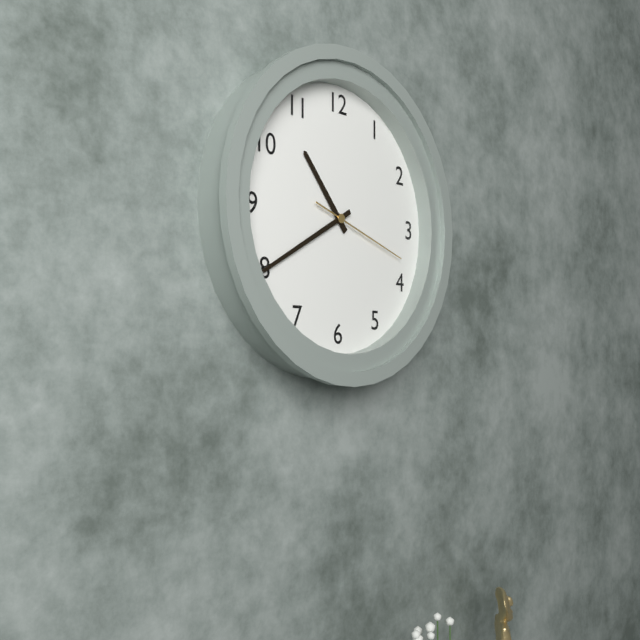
10h40m18s
